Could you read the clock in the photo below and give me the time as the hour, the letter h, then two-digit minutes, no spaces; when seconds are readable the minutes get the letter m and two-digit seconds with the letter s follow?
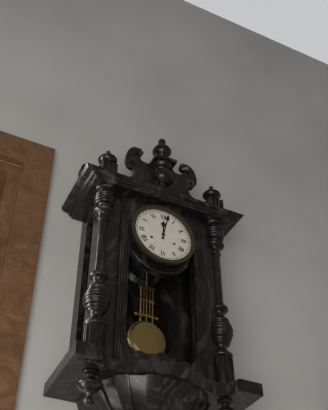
12h02
